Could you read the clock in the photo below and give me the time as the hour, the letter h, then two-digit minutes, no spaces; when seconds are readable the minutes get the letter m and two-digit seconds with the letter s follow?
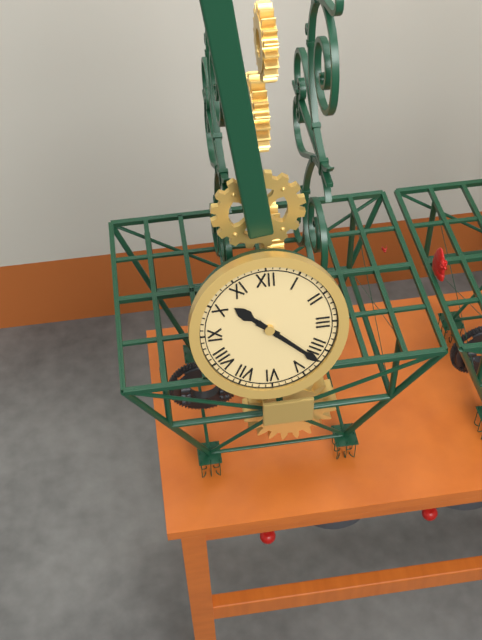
10h22
